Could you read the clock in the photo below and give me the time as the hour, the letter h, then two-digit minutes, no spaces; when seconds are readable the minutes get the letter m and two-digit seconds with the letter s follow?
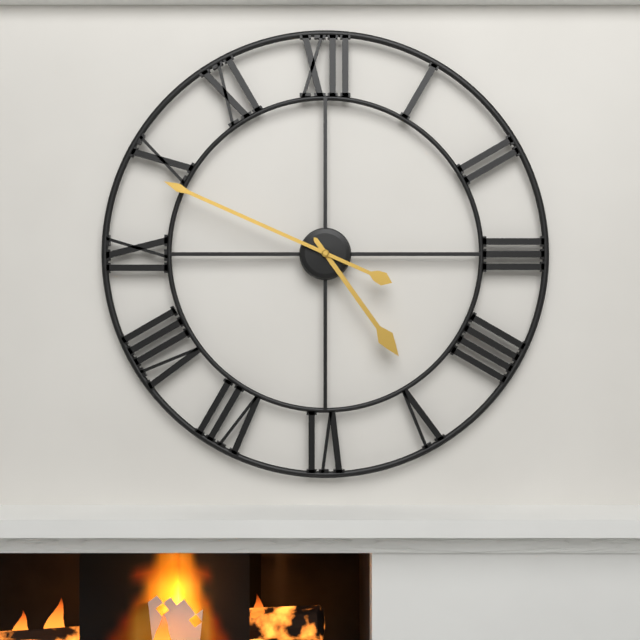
4h49
